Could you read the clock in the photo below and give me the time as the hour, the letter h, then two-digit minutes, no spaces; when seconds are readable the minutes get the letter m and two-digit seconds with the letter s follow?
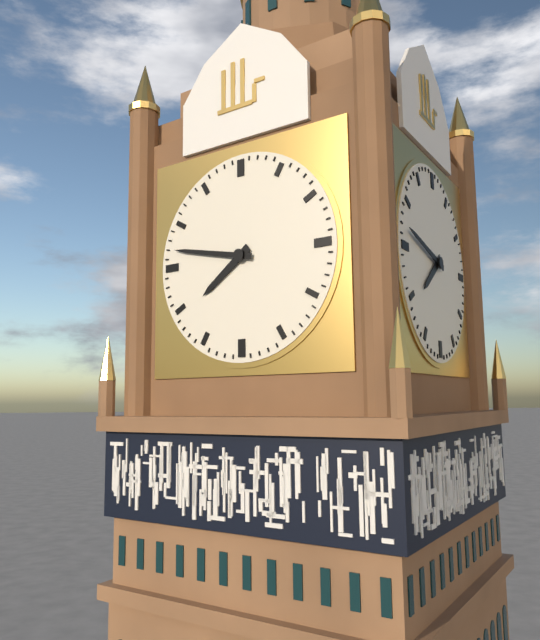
7h47
